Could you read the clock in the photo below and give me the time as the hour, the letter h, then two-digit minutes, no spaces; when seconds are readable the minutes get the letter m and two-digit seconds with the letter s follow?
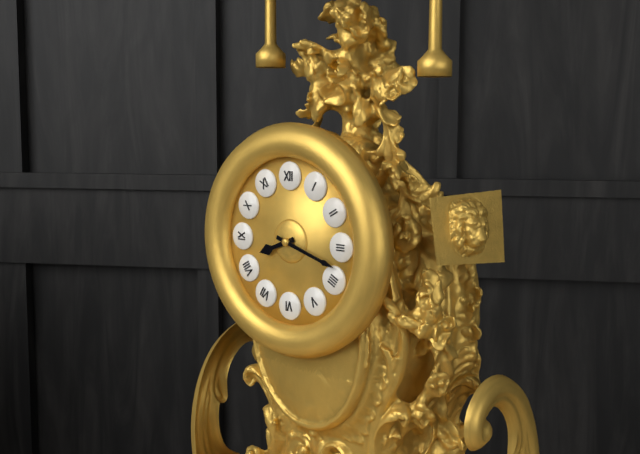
8h18
